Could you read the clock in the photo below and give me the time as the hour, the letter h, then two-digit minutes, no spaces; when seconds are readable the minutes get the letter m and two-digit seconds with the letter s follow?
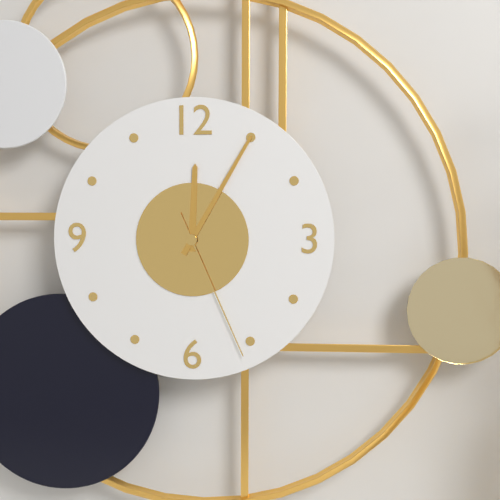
12h05m26s
